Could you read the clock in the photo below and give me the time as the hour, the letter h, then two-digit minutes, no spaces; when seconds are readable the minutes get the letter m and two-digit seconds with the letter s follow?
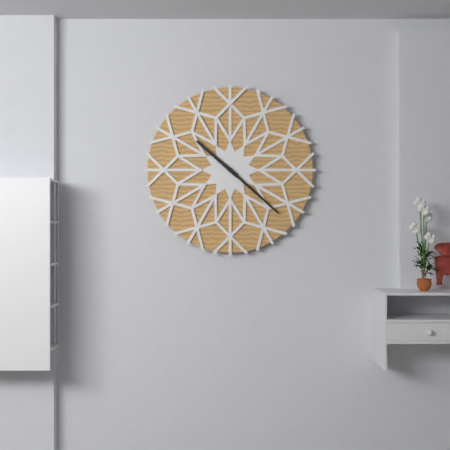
10h22
